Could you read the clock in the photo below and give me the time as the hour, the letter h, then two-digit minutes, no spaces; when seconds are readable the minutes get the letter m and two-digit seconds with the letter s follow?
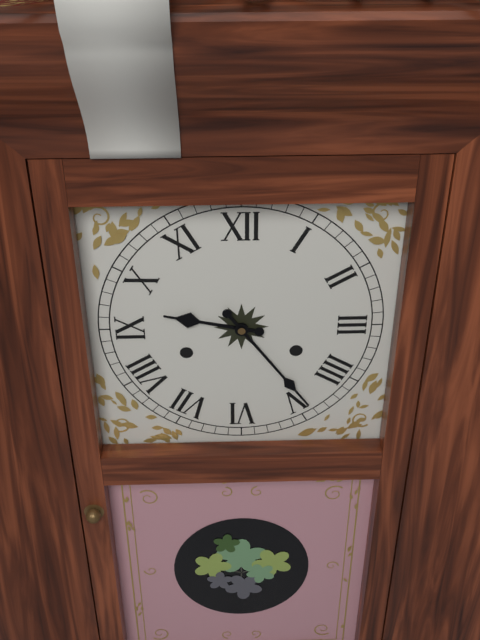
9h24
